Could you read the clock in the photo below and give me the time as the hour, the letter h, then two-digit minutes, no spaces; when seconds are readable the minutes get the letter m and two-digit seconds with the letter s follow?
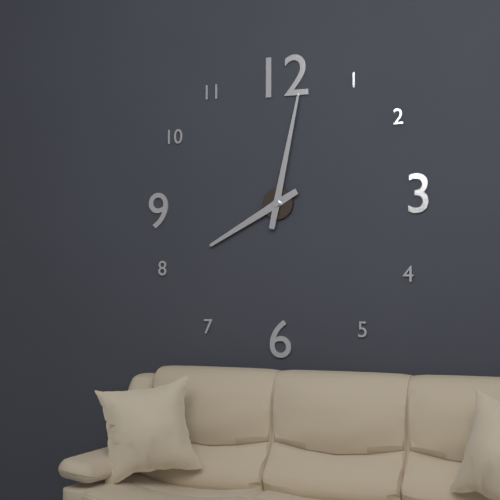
8h02
